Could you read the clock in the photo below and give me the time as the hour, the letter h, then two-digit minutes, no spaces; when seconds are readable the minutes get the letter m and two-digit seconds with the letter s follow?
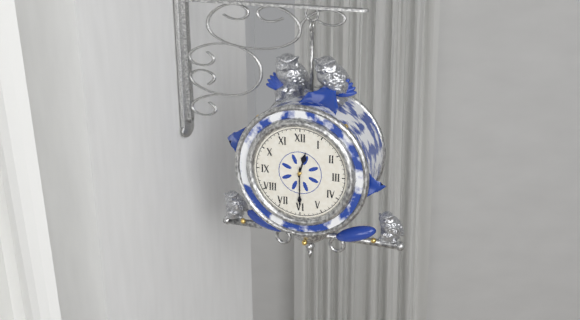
12h30
